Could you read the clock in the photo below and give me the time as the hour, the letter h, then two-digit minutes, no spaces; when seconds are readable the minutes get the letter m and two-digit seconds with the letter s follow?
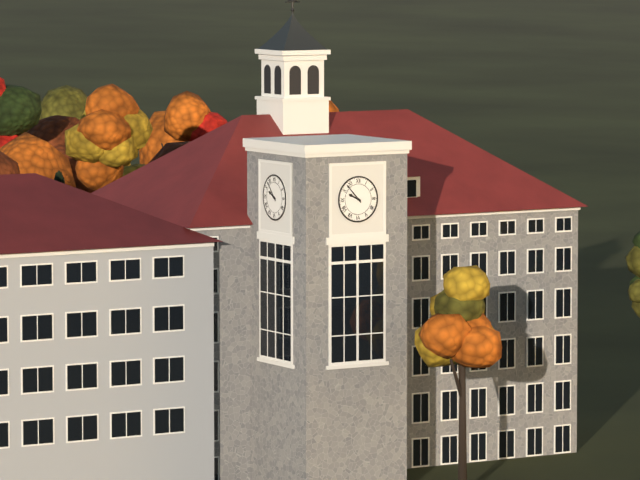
9h53
